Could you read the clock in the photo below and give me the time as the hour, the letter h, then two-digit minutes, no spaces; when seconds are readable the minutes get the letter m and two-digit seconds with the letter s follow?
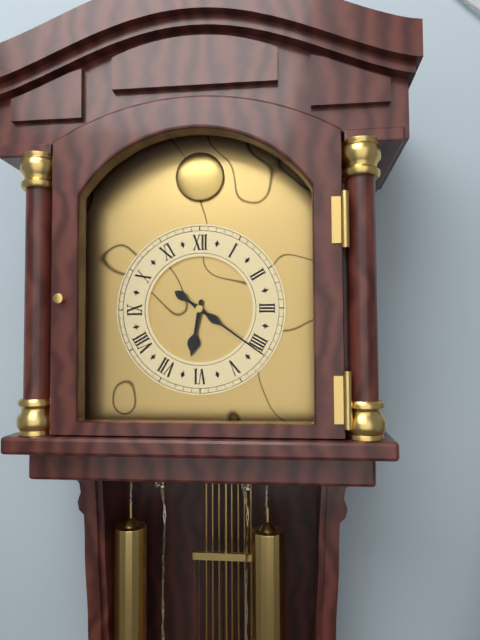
6h21
